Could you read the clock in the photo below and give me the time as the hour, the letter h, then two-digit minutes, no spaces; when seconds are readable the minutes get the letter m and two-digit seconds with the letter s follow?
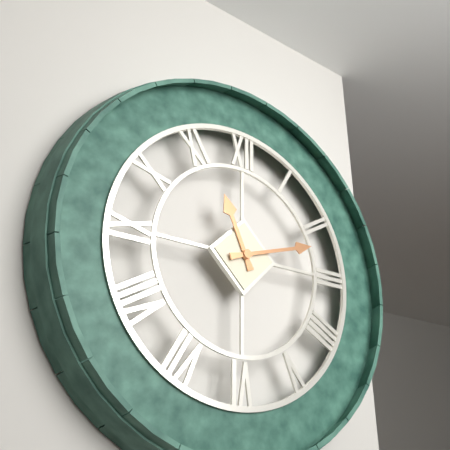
11h12
